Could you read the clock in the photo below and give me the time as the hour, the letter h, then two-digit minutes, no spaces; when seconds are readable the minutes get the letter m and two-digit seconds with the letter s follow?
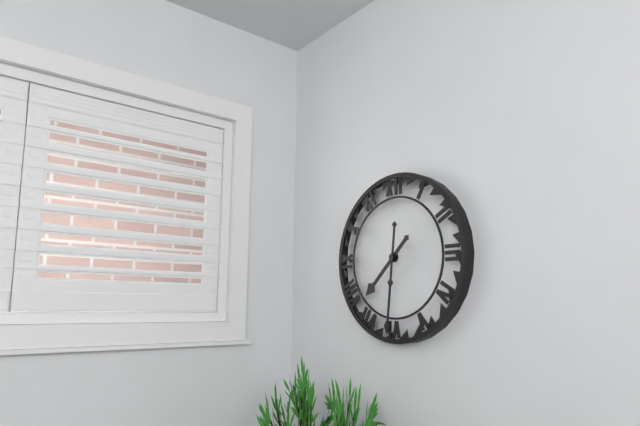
7h31
